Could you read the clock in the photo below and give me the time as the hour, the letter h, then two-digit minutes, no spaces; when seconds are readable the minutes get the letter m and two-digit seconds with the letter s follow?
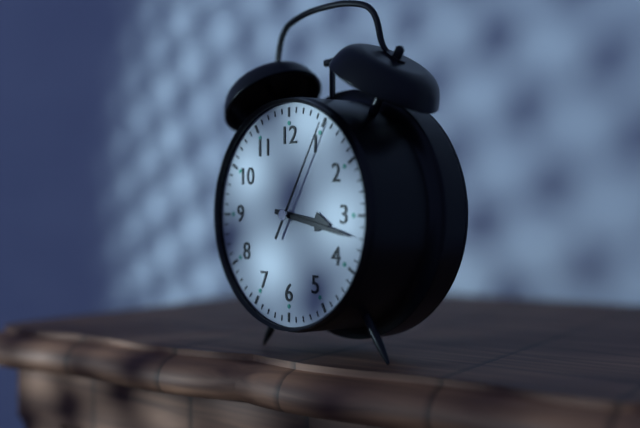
3h17m05s
